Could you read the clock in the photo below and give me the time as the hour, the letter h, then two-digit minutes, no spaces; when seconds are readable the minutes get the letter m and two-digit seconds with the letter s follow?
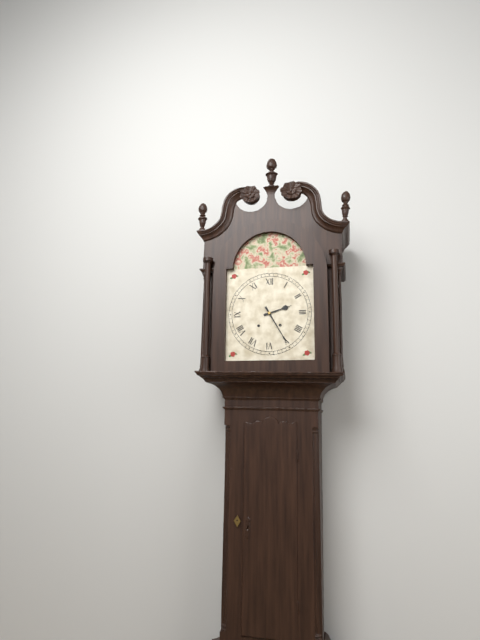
2h25
